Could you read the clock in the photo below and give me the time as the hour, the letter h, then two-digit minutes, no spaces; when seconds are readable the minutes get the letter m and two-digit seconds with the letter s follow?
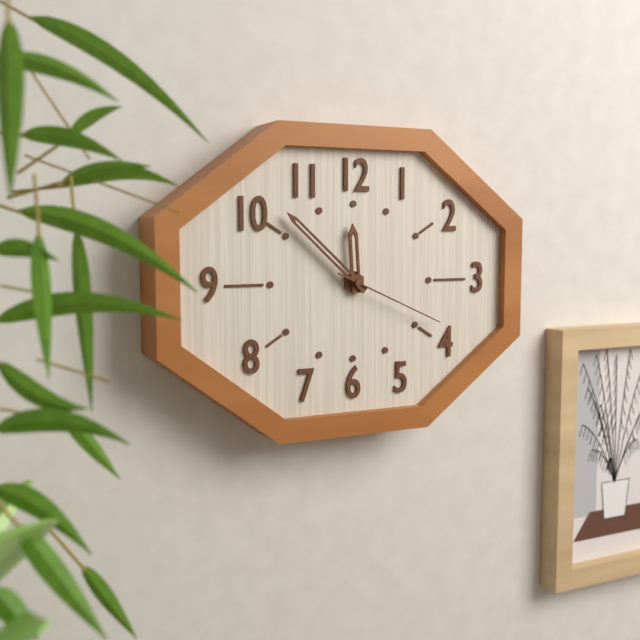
11h52m19s
